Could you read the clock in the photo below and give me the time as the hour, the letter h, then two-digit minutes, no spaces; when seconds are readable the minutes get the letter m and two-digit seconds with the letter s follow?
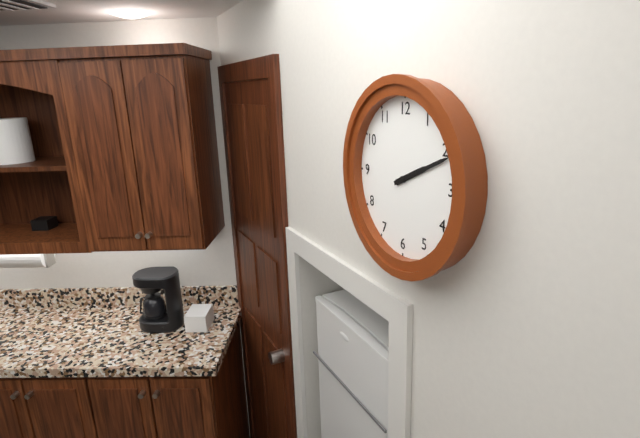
2h11
